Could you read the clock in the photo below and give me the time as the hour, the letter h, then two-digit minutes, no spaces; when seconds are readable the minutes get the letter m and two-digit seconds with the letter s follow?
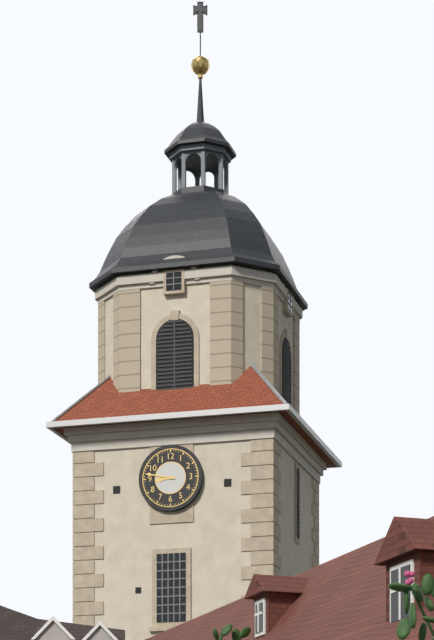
8h47
